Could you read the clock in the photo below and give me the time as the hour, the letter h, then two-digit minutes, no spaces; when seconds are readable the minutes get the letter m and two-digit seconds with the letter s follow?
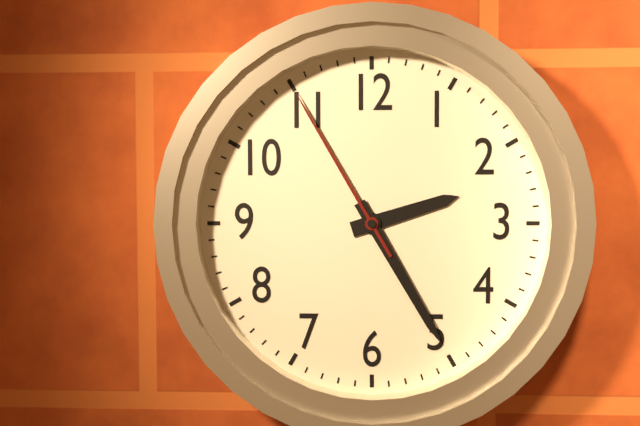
2h25m55s
